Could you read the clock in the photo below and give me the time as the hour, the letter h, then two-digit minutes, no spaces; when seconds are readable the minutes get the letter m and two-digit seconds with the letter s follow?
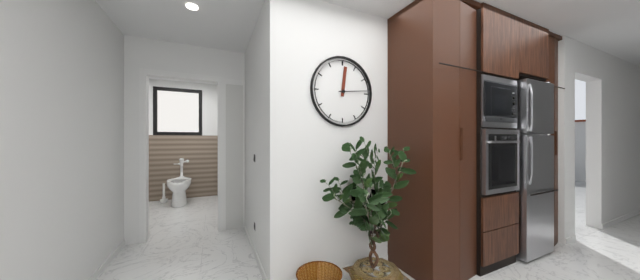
12h14
